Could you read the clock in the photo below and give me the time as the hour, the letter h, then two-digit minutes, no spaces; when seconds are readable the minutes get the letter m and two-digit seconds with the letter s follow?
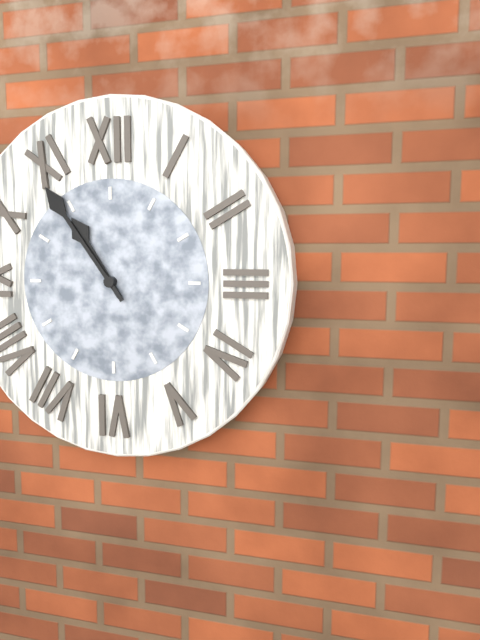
10h54
